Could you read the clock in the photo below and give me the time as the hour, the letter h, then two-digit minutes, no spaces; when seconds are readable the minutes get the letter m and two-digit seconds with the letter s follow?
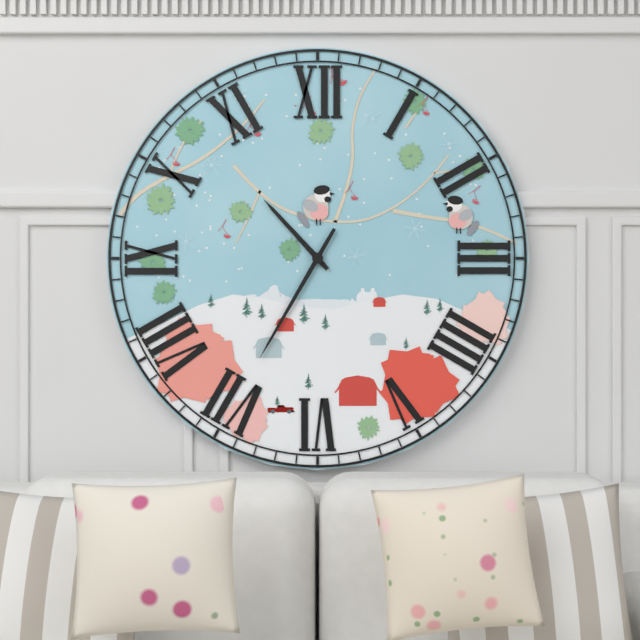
10h35
